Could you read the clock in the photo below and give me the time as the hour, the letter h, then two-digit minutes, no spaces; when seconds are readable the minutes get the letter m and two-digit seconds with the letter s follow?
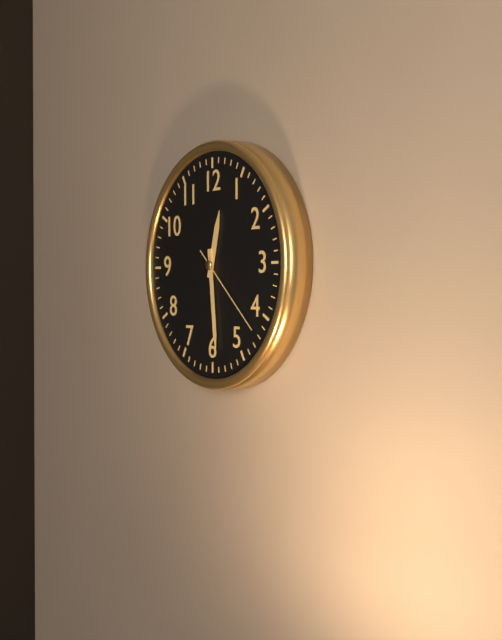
12h29m22s
